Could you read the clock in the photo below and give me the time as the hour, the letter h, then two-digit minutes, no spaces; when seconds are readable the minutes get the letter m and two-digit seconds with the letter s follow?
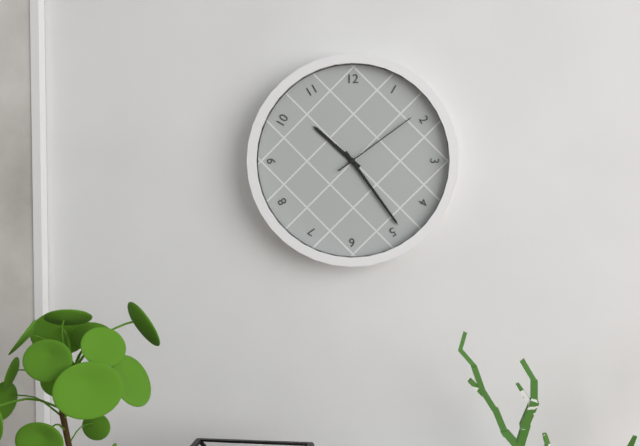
10h24m09s
